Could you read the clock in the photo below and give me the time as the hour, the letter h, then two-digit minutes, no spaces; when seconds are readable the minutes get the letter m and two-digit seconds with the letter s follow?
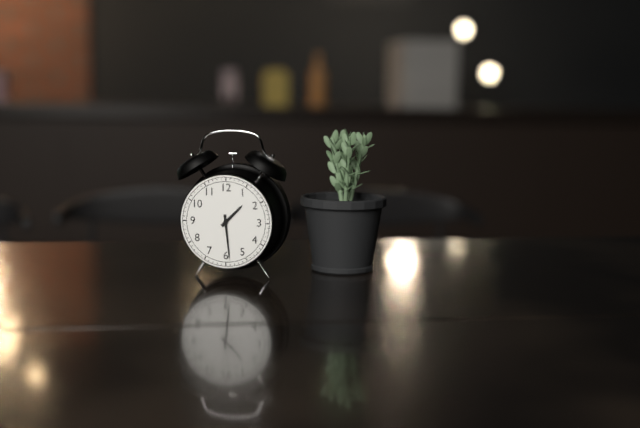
1h29
